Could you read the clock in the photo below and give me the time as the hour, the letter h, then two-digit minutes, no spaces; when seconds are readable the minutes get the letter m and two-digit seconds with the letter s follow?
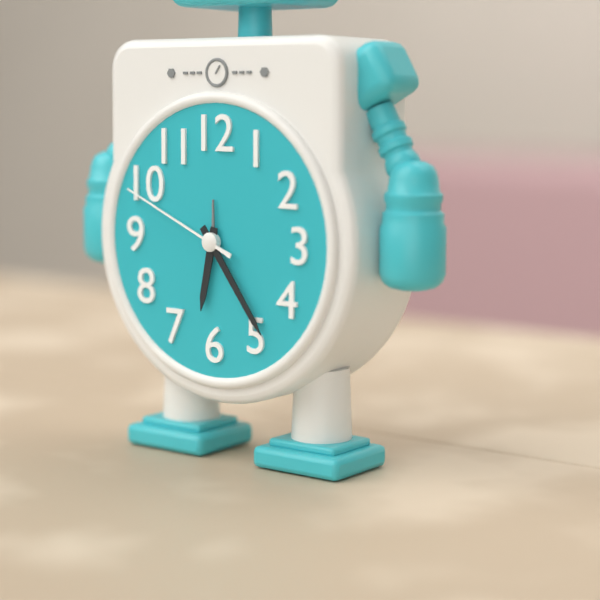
6h24m49s
